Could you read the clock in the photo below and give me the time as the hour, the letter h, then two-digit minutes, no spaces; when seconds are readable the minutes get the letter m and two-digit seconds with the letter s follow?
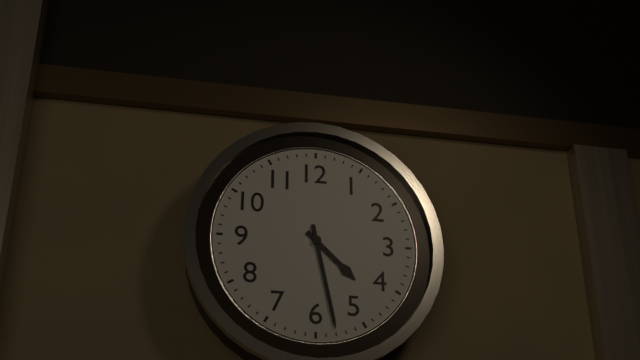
4h28
